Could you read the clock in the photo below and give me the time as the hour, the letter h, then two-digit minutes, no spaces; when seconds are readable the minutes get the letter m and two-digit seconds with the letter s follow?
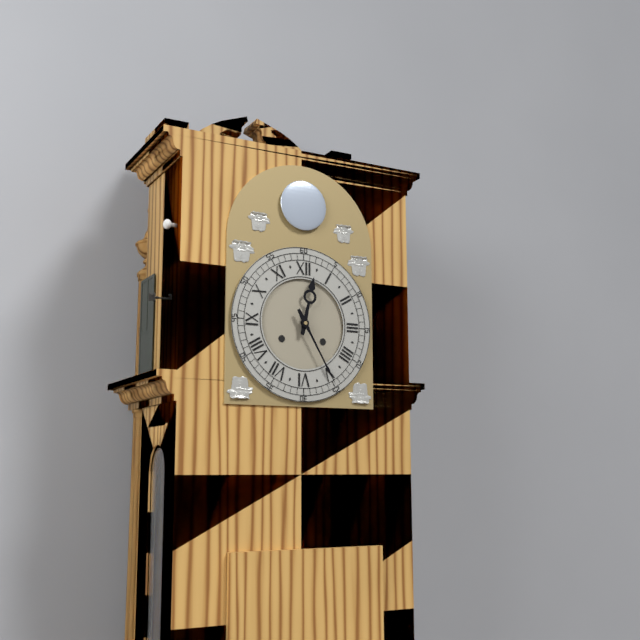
12h25
